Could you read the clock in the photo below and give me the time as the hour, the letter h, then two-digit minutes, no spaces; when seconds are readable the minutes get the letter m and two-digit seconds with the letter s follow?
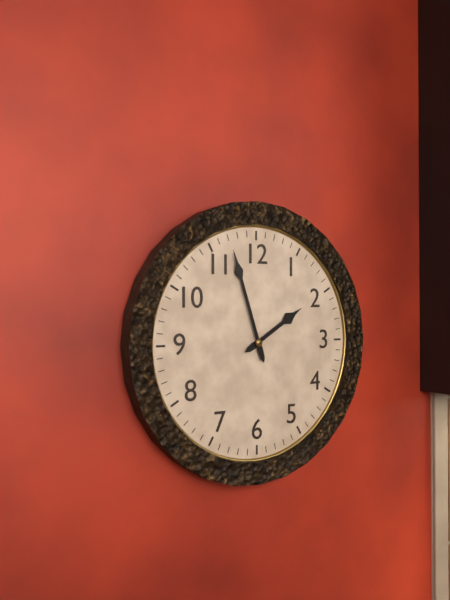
1h57
